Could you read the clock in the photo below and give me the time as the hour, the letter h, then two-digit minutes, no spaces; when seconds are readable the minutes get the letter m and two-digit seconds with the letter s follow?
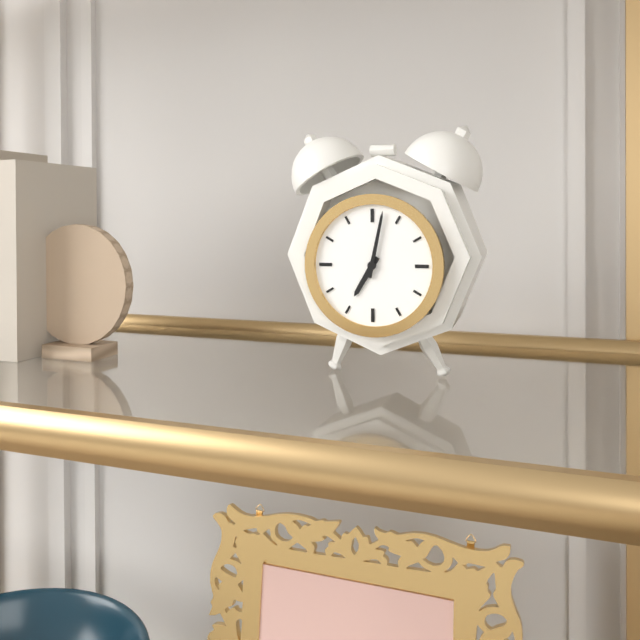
7h02
